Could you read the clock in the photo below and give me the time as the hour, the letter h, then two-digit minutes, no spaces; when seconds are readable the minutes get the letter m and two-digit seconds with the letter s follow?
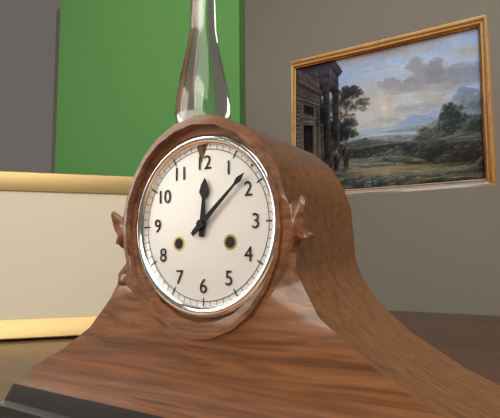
12h08
